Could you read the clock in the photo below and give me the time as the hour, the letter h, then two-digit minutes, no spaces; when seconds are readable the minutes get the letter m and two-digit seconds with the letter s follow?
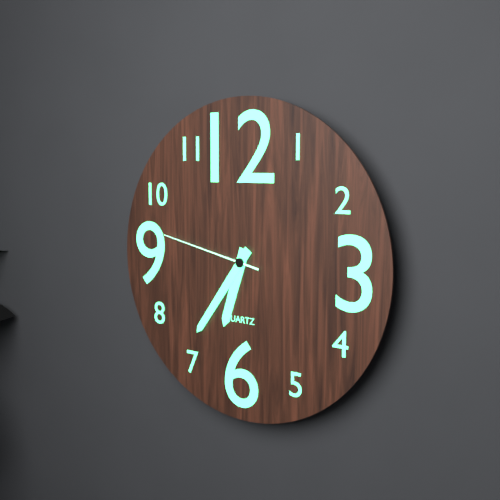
6h36m47s
